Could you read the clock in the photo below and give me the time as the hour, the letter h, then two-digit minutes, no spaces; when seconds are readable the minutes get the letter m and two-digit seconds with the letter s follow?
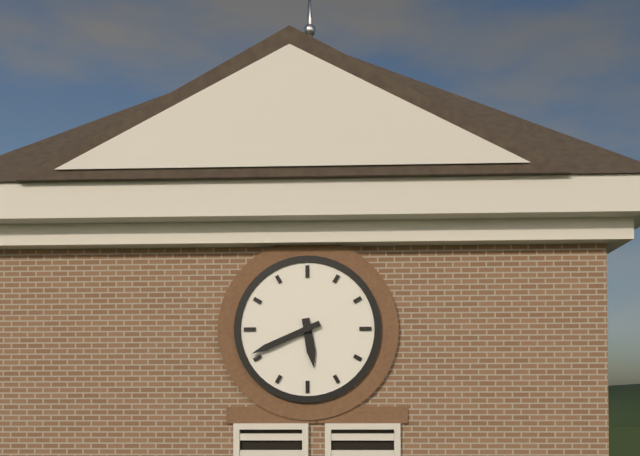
5h41
